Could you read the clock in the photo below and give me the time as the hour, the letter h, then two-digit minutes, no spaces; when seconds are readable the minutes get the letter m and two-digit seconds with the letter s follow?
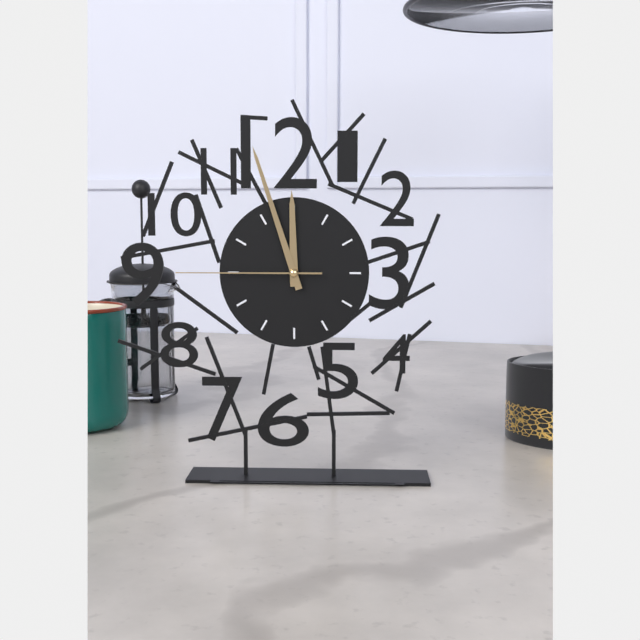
11h57m45s
